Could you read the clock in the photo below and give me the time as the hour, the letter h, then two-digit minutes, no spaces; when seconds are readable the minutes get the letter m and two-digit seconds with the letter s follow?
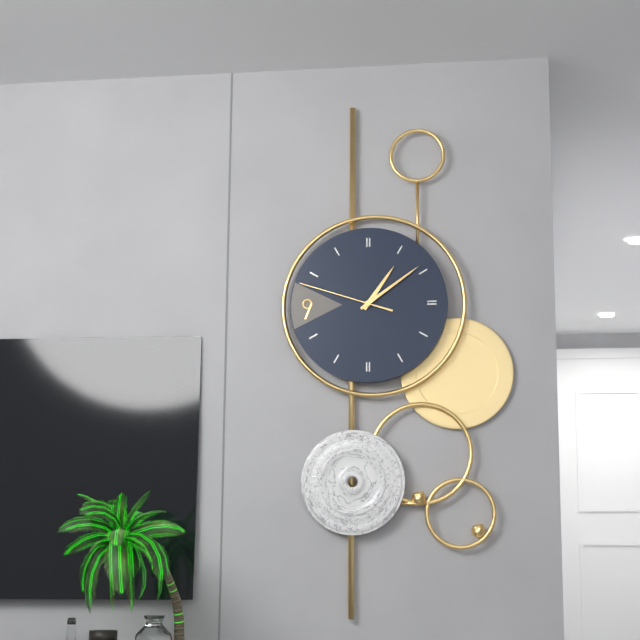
1h09m48s
